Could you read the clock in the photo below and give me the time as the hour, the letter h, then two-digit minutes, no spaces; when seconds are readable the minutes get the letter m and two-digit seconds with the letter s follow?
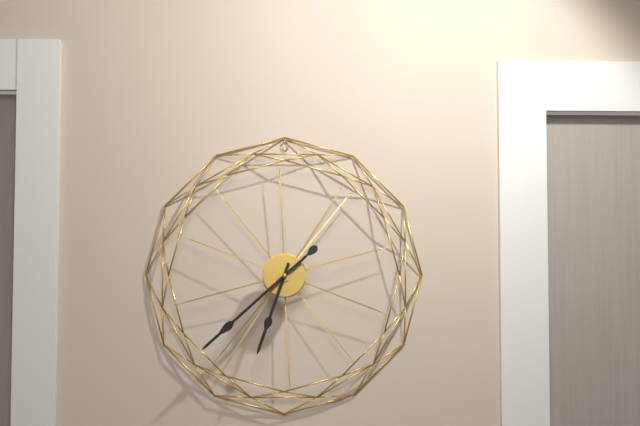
6h38
